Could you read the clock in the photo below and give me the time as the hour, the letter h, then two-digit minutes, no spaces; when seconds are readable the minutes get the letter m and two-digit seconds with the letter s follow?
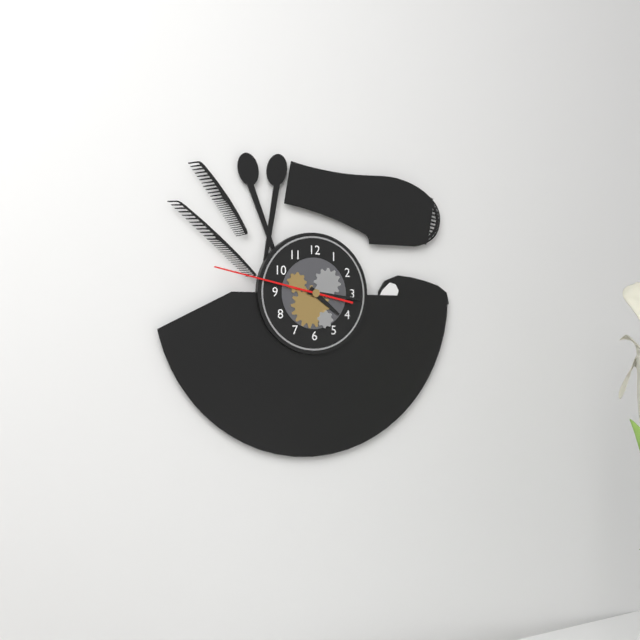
4h16m47s
